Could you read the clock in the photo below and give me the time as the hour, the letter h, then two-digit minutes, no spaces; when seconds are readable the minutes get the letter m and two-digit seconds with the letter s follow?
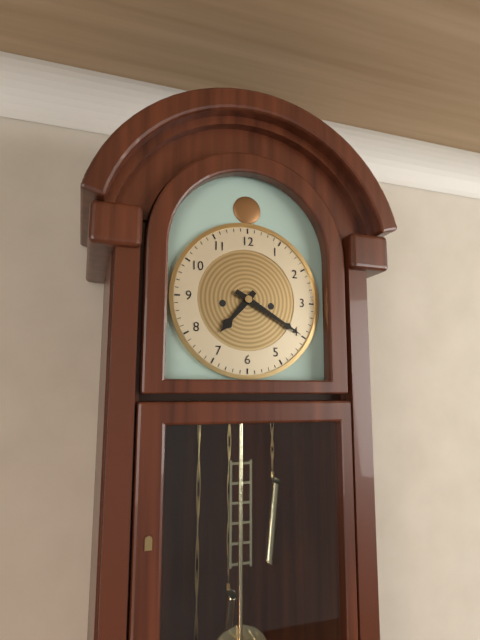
7h20
